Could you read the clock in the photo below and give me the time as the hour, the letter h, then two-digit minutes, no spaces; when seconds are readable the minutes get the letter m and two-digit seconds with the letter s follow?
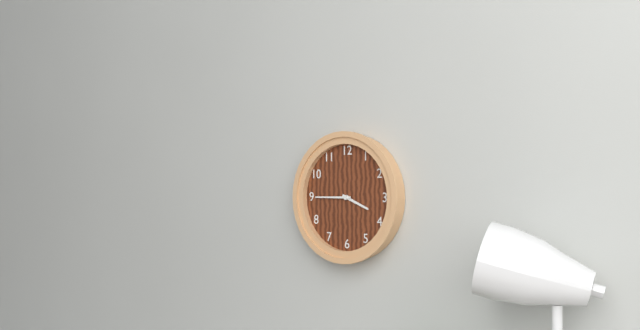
3h45
